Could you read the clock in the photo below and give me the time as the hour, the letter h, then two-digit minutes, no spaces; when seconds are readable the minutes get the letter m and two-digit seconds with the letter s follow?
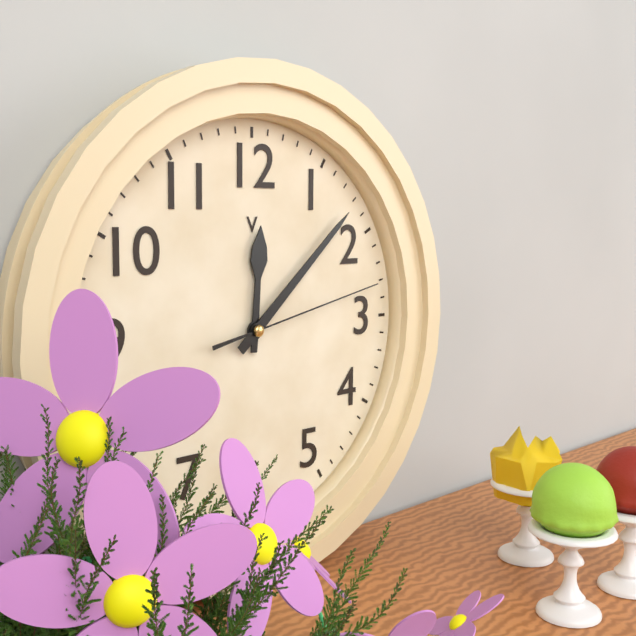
12h08m13s
